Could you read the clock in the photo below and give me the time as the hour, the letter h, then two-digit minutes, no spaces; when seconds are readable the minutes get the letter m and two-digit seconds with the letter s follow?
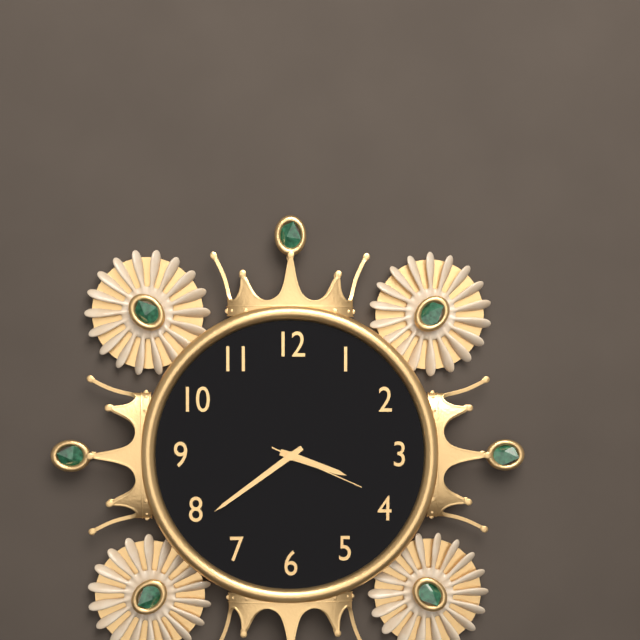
3h39m19s
